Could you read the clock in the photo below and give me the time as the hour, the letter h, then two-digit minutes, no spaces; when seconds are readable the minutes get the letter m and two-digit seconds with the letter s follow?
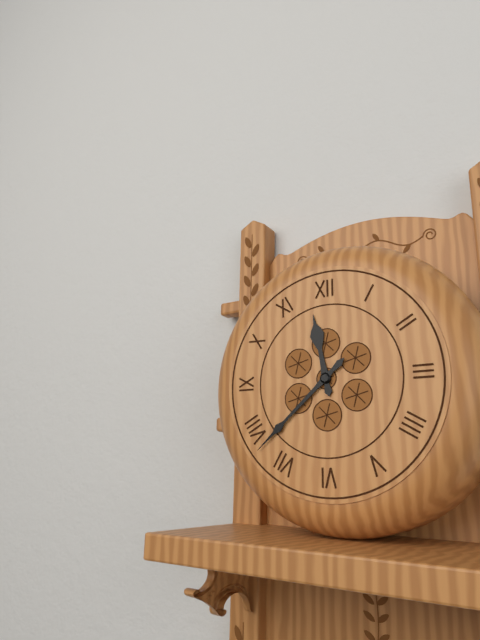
11h38
